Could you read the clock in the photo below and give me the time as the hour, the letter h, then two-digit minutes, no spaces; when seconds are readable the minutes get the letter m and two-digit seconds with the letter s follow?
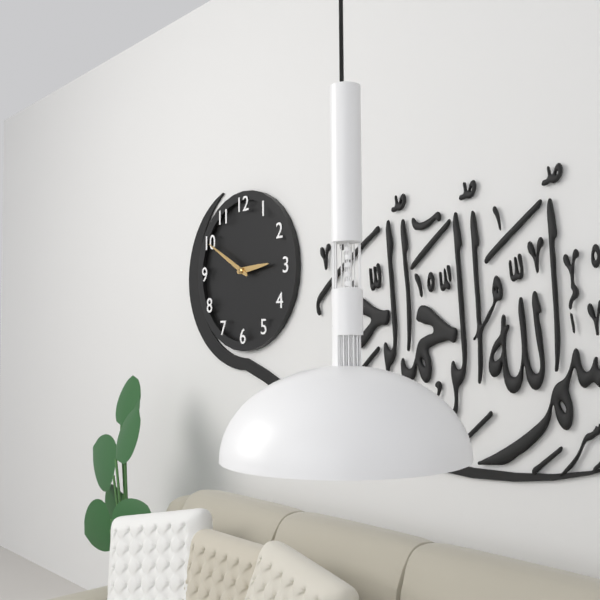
2h50
